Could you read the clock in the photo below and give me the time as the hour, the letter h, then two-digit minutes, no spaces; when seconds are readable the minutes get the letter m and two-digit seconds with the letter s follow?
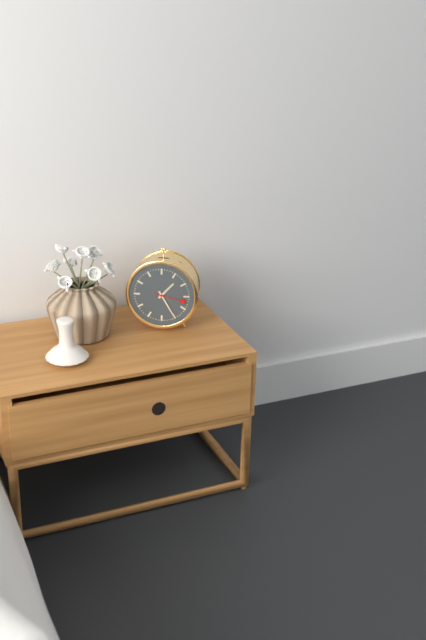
1h25
